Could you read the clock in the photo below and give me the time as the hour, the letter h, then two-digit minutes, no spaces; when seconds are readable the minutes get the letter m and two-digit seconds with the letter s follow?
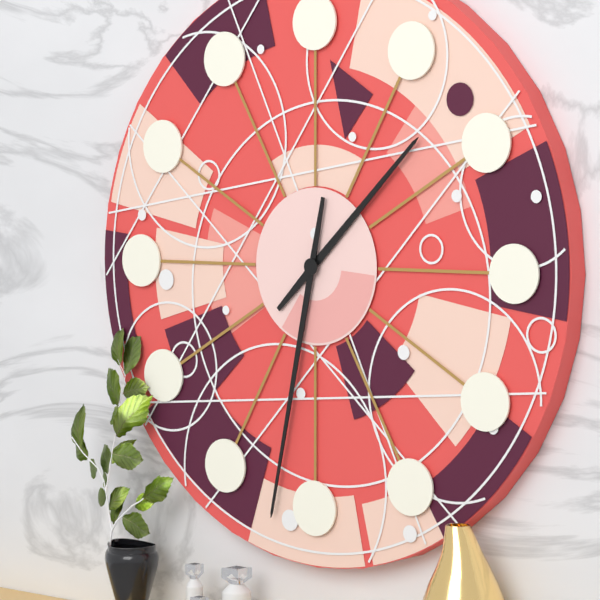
1h32
